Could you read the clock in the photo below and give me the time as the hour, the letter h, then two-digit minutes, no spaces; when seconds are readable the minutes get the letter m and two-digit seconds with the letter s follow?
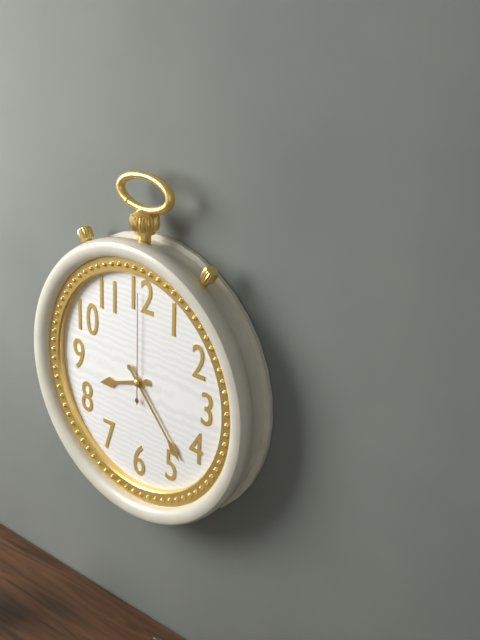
8h23m00s
